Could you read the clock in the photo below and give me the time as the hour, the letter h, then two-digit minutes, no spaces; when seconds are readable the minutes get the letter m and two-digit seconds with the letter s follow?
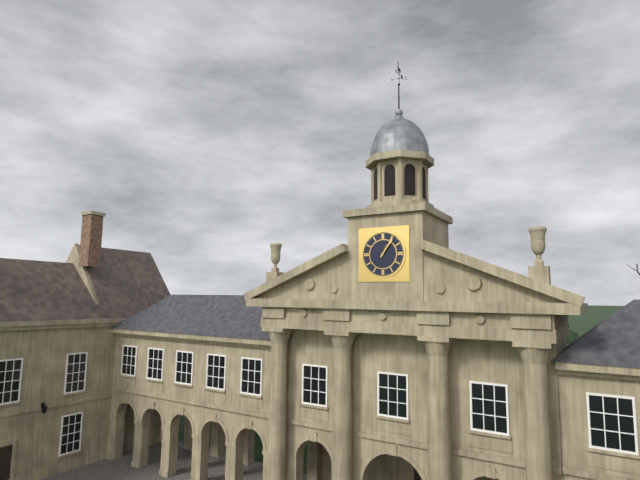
1h06
